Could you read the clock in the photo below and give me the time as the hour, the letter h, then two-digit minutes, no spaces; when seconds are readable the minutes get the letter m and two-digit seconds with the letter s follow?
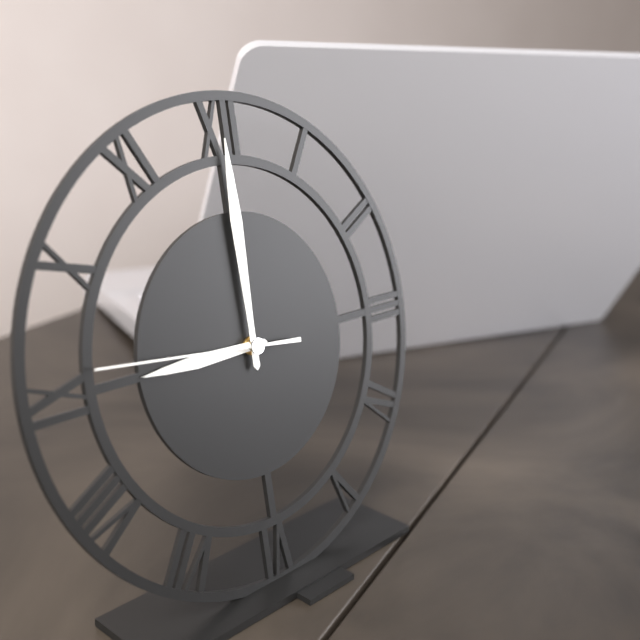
9h00m46s
